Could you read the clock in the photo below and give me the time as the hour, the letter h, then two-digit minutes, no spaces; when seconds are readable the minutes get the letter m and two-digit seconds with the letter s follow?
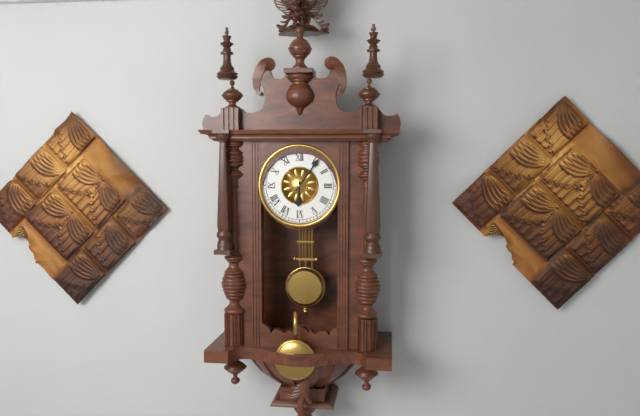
6h06
